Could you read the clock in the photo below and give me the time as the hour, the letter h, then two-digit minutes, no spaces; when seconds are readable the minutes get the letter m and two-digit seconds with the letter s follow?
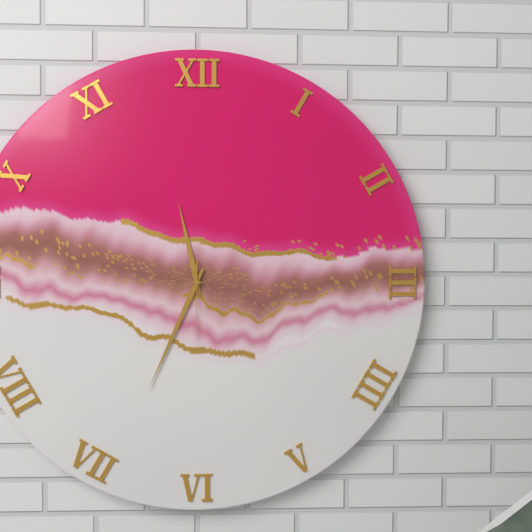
11h34m30s
